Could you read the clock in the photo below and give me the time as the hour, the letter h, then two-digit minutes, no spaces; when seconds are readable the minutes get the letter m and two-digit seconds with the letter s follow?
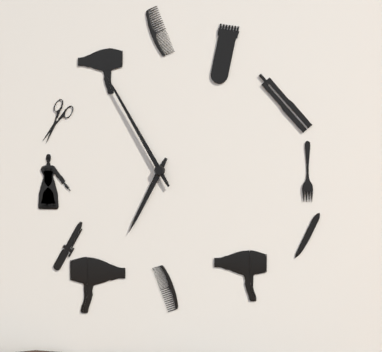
6h55
